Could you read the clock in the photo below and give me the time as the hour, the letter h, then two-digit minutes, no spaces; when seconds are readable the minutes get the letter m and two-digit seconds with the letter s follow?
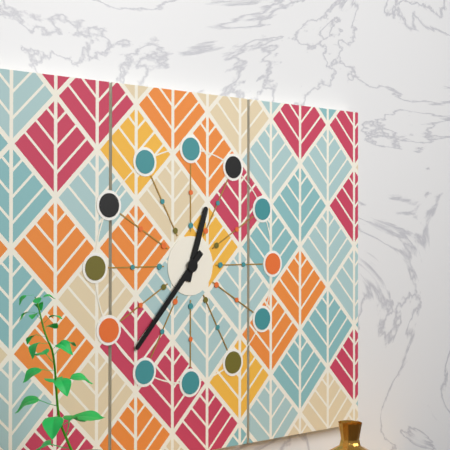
12h37
